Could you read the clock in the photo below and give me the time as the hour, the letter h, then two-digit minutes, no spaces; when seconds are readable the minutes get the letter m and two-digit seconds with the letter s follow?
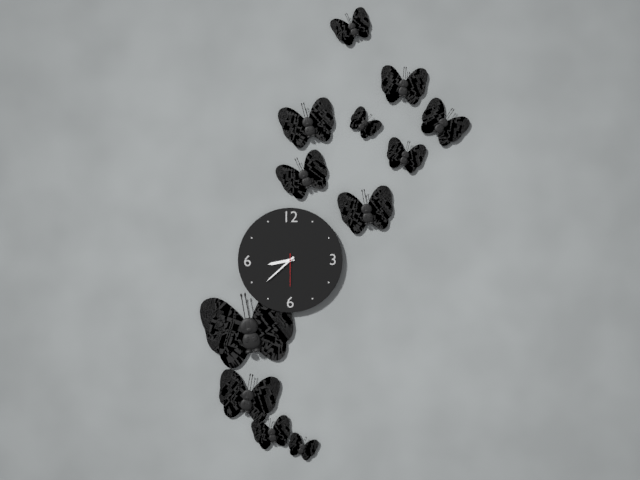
8h38
